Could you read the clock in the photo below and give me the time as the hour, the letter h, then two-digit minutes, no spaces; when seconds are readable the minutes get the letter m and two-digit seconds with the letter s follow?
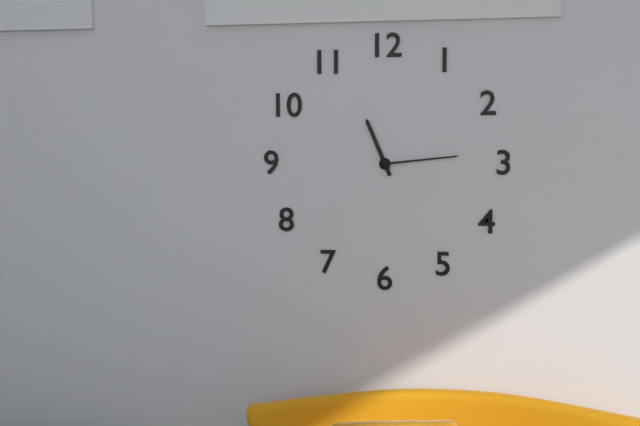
11h14
